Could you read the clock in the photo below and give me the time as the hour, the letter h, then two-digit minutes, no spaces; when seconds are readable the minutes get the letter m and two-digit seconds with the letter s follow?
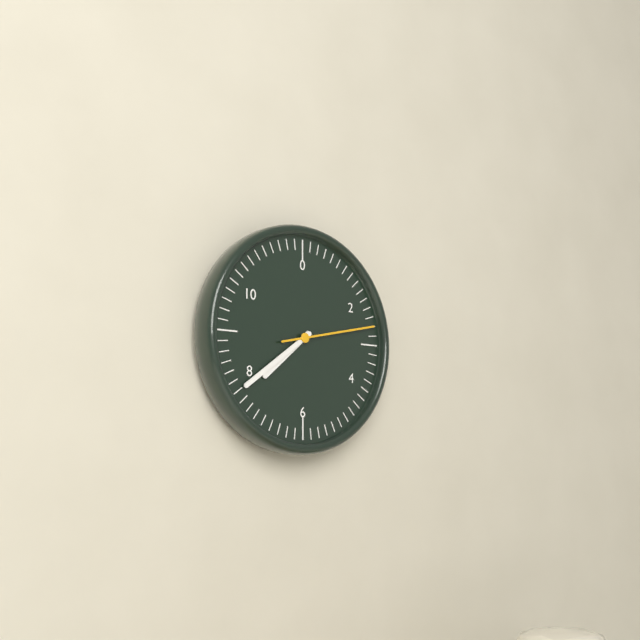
7h39m13s
